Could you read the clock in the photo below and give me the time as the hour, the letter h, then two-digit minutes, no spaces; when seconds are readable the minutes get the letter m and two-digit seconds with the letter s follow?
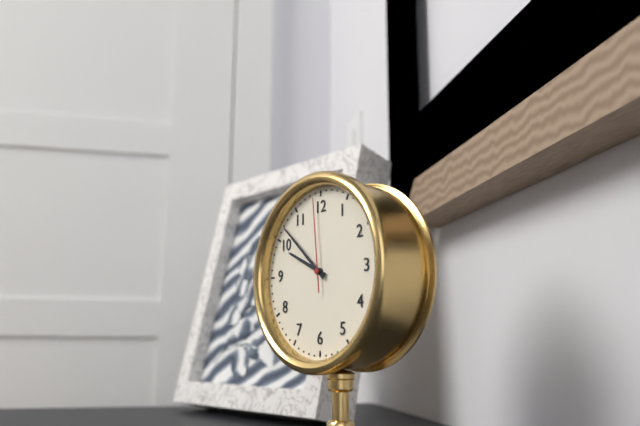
9h52m59s
